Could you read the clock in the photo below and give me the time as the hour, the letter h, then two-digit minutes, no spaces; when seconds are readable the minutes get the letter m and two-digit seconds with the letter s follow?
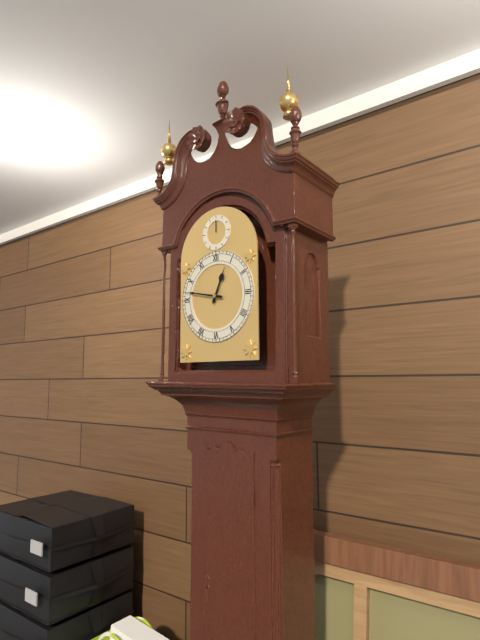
12h47
